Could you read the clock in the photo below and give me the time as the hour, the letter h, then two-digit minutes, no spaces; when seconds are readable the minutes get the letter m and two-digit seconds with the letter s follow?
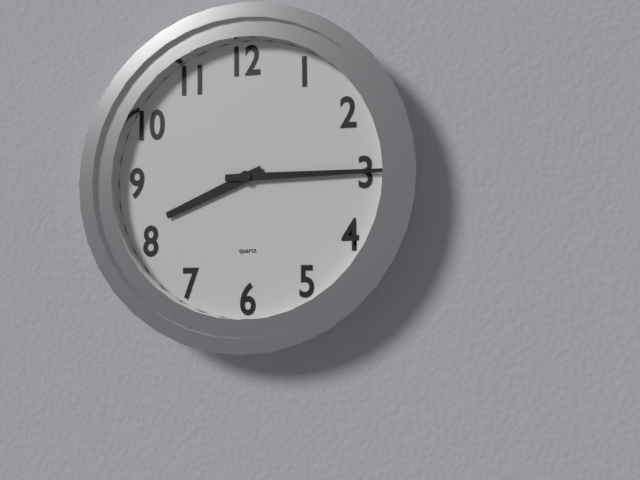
8h15
